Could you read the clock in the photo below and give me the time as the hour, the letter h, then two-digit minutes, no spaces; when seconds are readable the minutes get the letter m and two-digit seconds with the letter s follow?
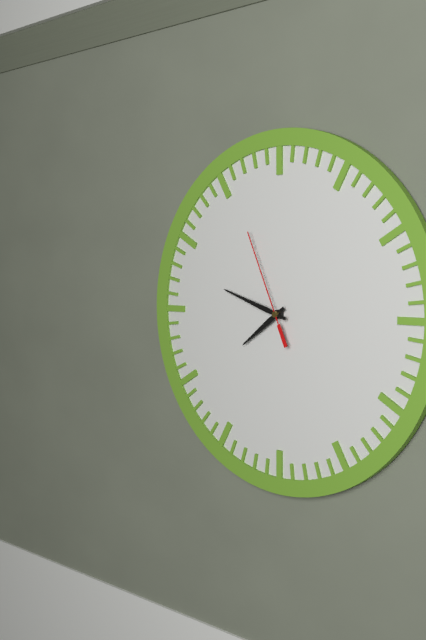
7h48m56s
